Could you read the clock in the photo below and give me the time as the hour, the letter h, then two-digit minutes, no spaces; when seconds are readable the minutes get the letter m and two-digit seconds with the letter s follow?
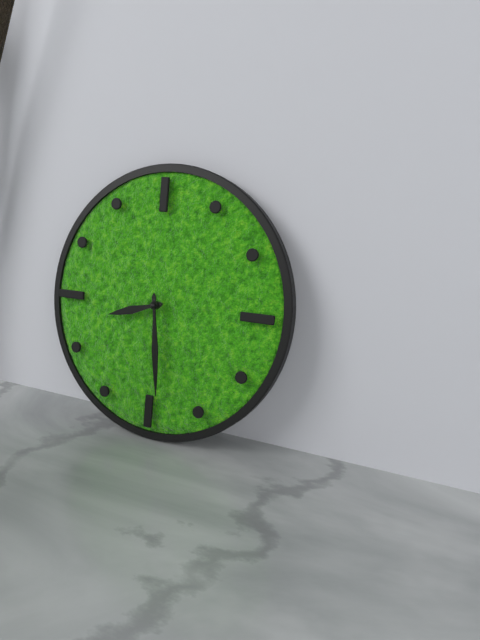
8h29
